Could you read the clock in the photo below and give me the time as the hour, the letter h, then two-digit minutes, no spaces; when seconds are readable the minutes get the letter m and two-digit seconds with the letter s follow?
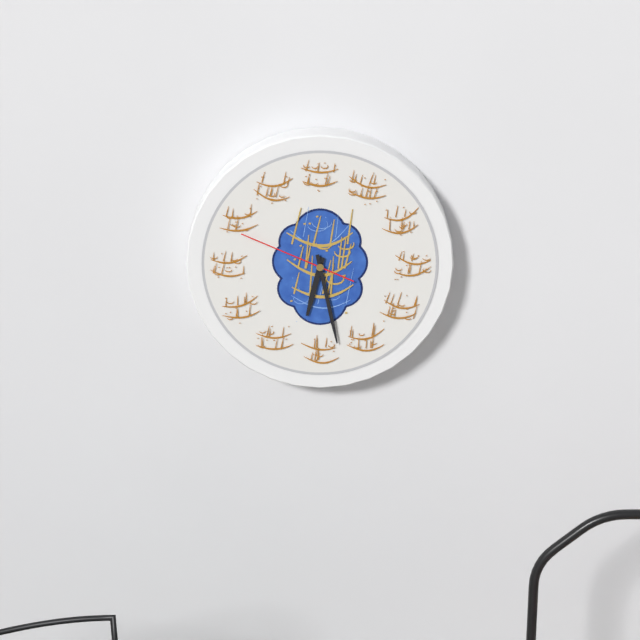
6h28m49s
